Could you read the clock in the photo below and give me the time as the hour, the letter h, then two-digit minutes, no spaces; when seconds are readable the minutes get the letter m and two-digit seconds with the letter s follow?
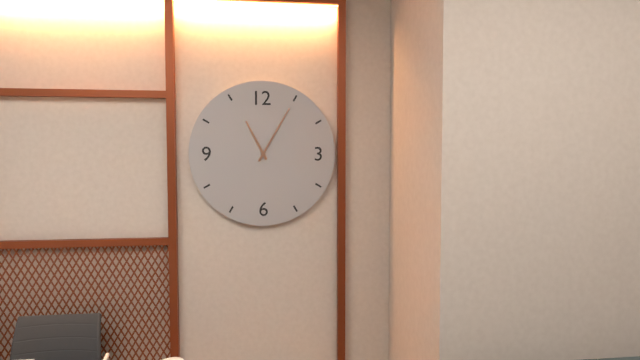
11h05
